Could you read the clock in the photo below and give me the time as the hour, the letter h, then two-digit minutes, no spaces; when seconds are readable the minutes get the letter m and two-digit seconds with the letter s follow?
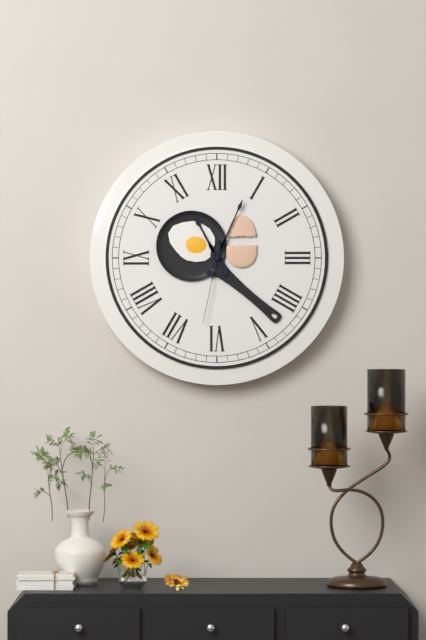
11h04m32s
